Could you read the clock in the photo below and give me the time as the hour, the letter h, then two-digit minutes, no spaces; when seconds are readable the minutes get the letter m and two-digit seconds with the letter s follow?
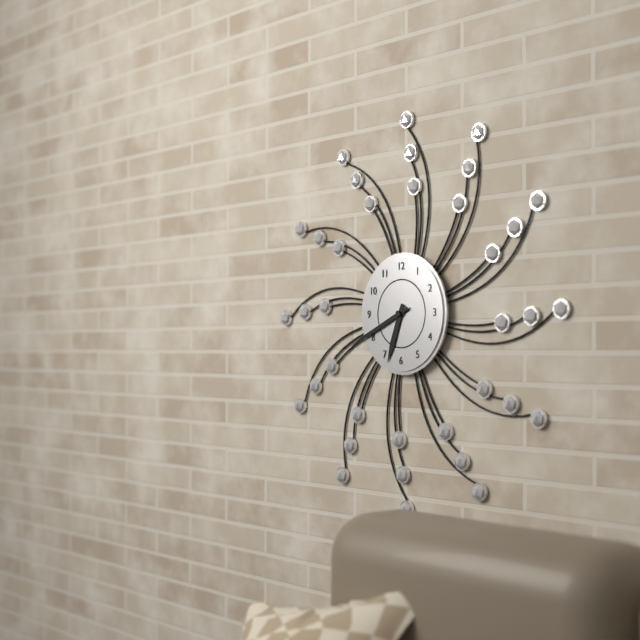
6h41
